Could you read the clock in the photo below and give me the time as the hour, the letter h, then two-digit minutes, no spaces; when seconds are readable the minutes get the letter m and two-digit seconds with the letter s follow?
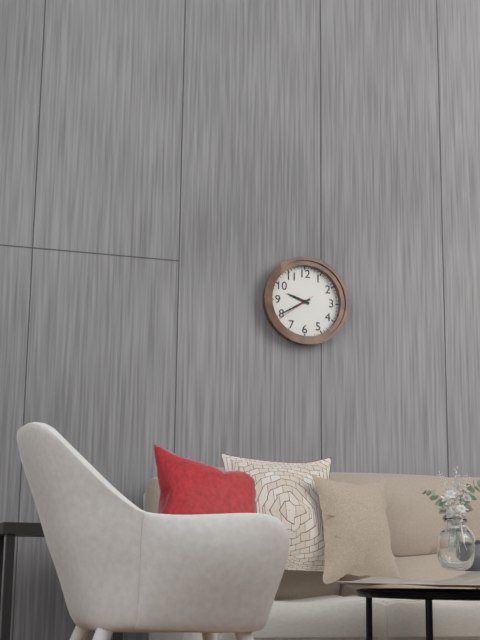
9h40
